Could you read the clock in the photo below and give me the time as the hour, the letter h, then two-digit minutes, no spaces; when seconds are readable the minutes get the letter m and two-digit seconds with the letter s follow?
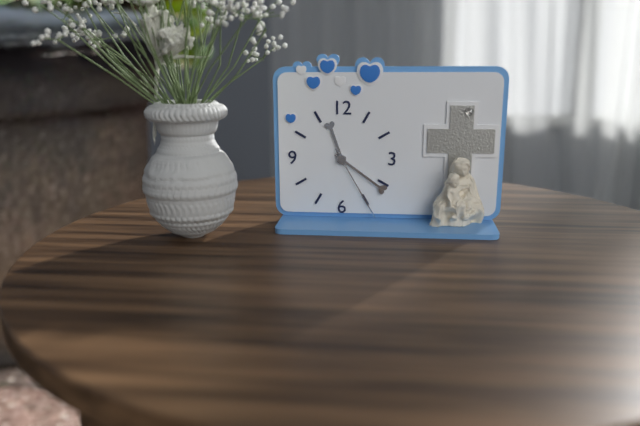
11h21m25s
